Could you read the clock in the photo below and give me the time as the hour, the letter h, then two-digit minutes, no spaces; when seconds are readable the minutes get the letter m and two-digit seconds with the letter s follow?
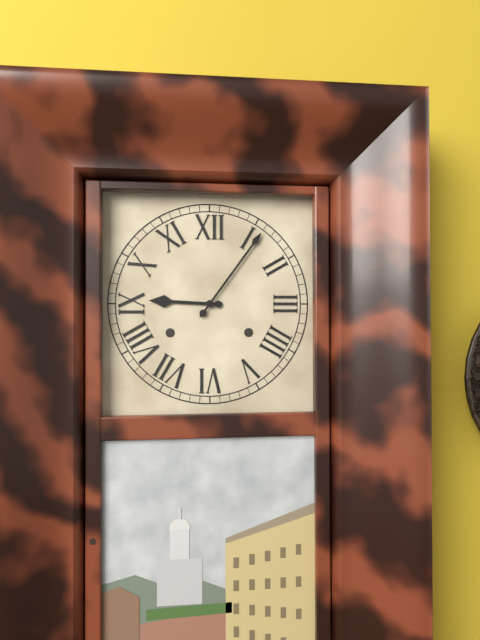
9h06
